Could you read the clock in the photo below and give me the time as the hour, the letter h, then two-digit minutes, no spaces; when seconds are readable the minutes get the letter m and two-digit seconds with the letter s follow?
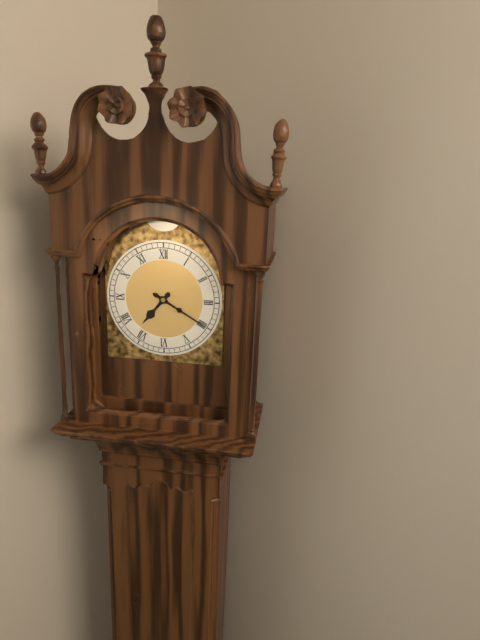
7h20
